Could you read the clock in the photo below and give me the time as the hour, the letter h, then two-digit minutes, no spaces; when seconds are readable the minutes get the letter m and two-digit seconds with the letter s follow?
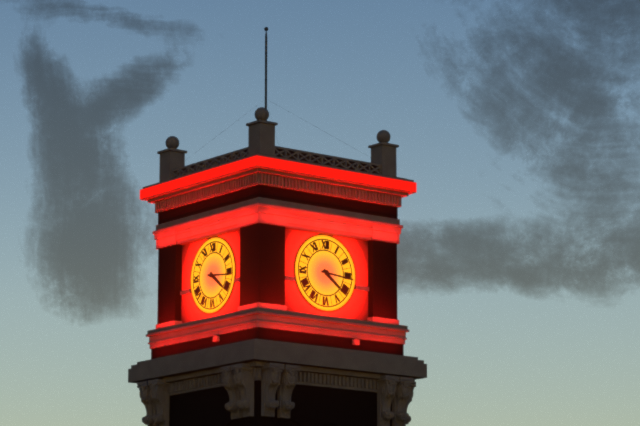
4h16
